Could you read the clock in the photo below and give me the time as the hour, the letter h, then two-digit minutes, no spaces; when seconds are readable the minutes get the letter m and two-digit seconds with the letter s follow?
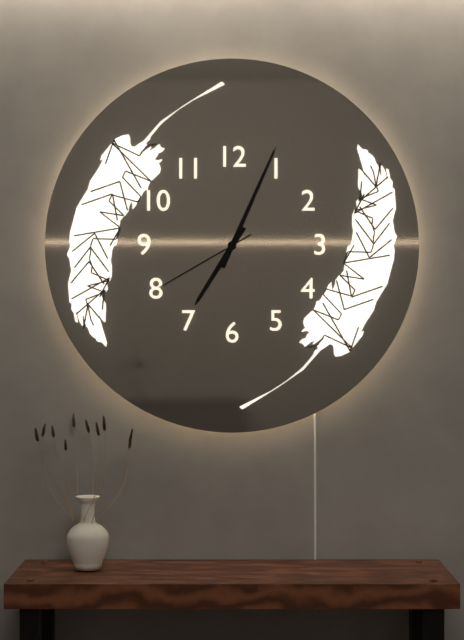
7h04m40s
